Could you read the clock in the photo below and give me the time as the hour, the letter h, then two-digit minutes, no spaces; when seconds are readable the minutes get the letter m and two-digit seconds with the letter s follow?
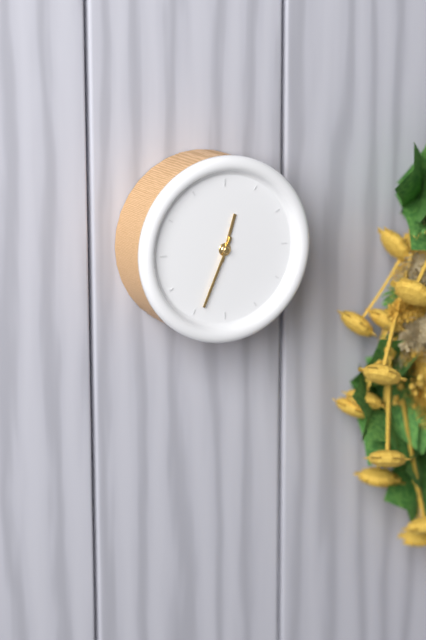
12h34
